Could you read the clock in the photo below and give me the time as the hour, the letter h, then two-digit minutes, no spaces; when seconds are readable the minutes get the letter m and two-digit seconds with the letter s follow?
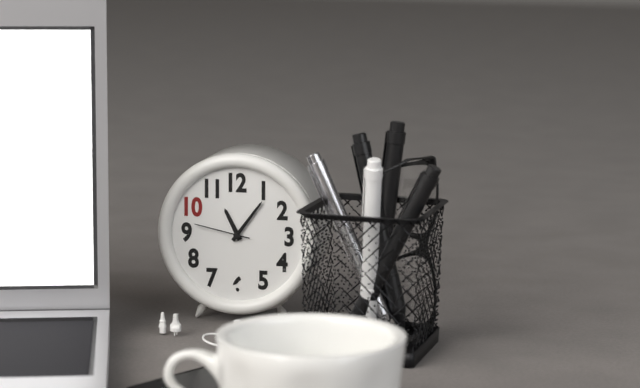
11h06m47s
